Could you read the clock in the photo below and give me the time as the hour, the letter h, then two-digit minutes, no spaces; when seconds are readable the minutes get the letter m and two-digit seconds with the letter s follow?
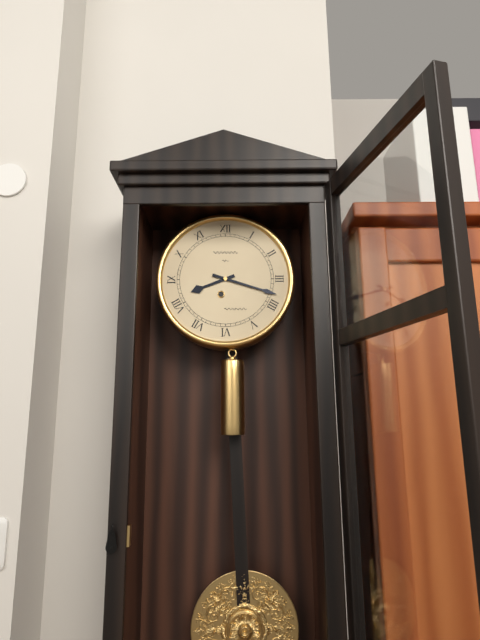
8h18
